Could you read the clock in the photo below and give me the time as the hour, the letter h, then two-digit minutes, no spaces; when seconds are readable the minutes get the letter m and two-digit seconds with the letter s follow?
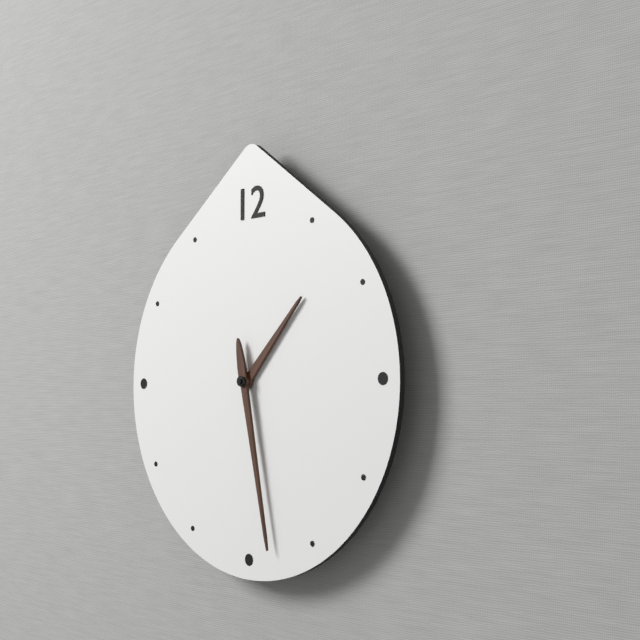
1h28
